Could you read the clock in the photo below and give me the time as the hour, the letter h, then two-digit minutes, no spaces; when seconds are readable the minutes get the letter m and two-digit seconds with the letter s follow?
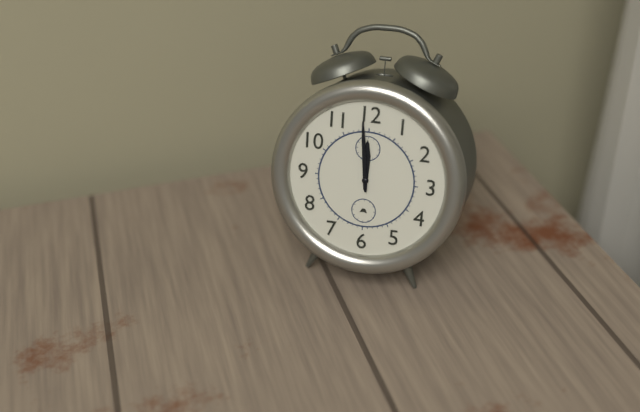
11h59
